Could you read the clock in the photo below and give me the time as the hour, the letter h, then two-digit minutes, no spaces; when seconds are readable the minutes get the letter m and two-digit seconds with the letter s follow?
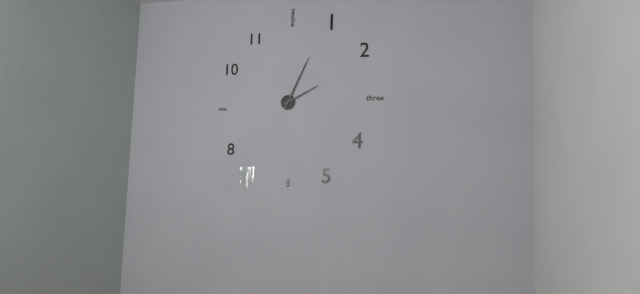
2h04
